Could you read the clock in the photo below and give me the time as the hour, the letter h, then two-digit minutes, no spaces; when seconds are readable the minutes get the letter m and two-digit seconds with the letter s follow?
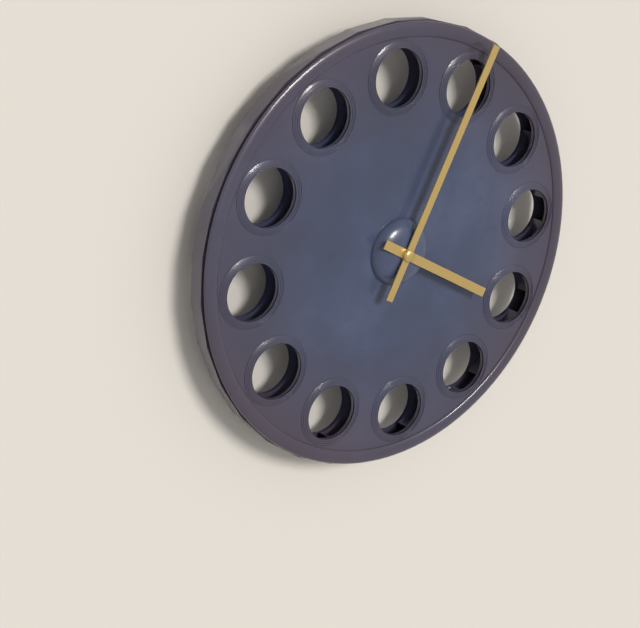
4h05
